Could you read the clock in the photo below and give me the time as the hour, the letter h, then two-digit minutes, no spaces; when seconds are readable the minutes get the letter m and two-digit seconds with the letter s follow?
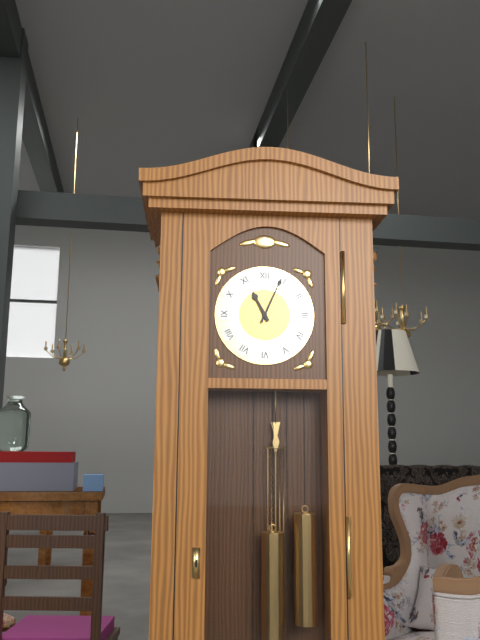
11h04
